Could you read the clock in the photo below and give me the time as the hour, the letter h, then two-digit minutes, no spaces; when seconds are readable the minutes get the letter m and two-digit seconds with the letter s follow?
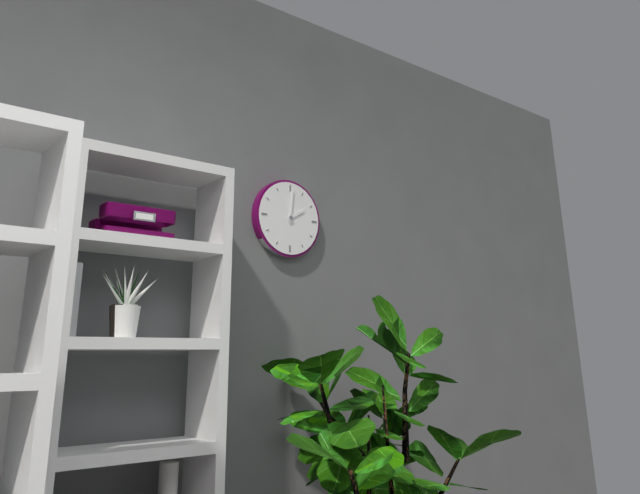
2h01
